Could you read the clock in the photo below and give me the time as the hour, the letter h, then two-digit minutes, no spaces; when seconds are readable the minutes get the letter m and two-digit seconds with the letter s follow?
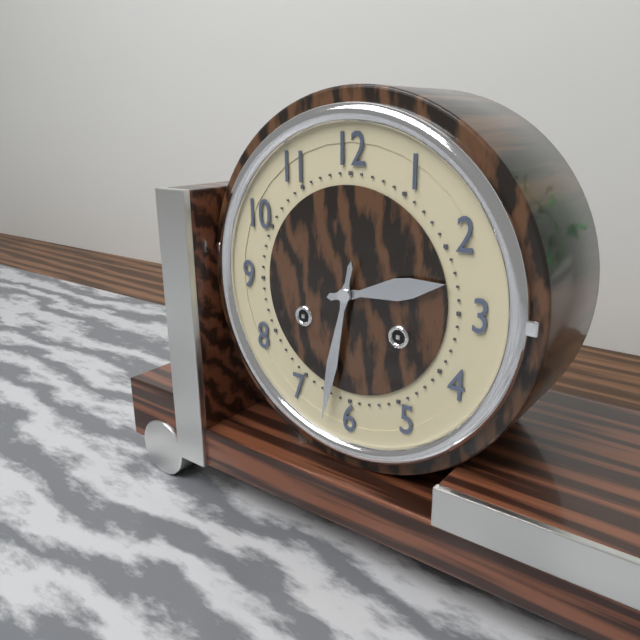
2h32
